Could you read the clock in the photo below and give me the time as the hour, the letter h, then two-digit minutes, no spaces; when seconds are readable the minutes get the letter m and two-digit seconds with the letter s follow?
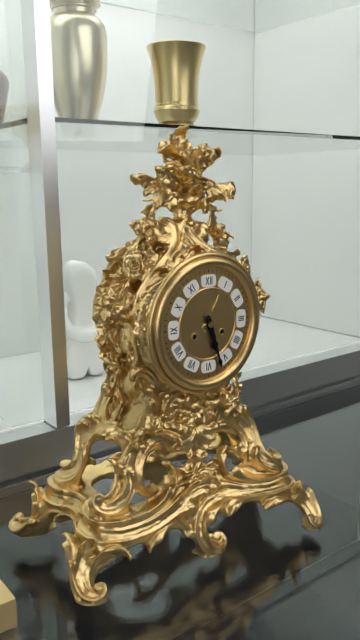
5h27
